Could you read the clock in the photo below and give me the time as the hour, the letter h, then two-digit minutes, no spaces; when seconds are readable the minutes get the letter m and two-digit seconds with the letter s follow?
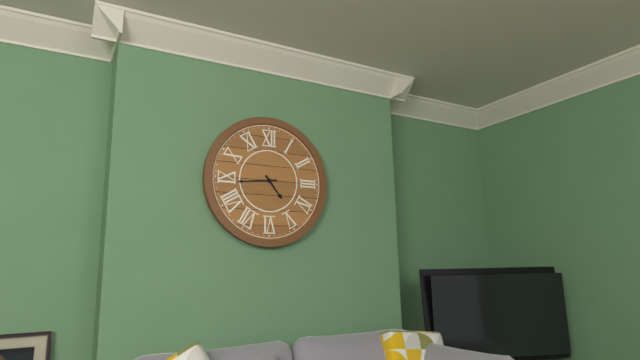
4h44
